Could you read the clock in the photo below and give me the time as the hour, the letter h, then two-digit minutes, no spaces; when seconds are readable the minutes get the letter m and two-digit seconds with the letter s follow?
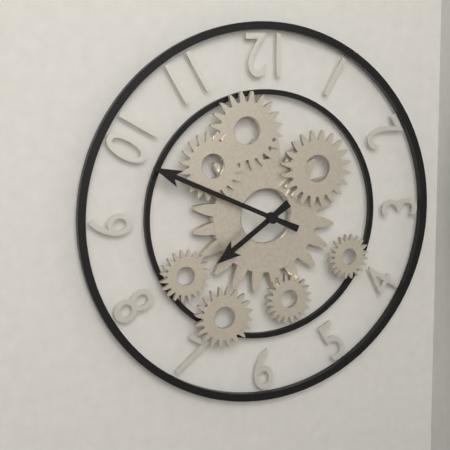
7h49
